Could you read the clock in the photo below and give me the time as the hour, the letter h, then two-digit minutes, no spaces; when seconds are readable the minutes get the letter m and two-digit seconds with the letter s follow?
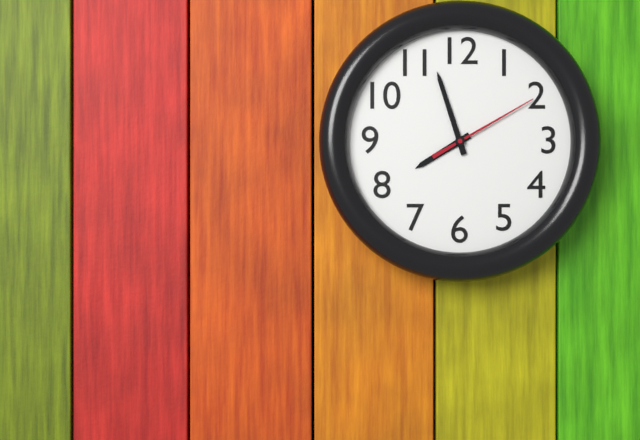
7h57m10s
